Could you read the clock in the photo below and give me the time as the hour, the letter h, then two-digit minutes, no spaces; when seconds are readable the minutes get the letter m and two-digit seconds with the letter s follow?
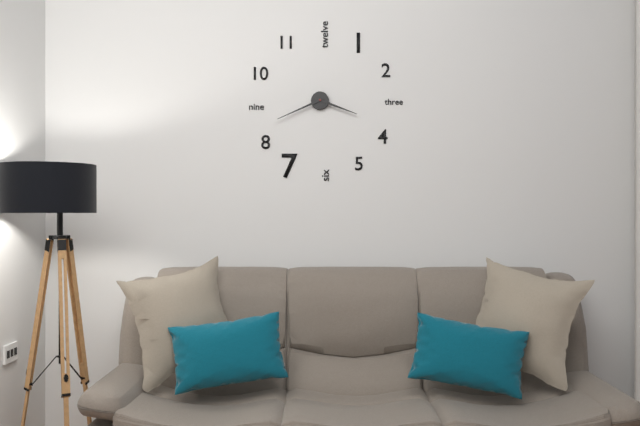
3h41
